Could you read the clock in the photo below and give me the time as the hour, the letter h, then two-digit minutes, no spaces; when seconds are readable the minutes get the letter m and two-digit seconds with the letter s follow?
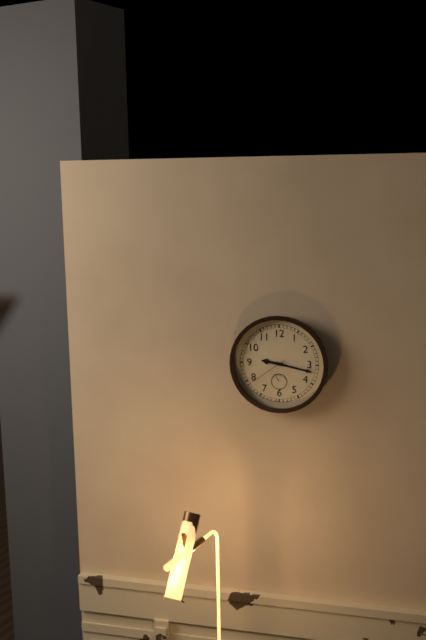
9h17
